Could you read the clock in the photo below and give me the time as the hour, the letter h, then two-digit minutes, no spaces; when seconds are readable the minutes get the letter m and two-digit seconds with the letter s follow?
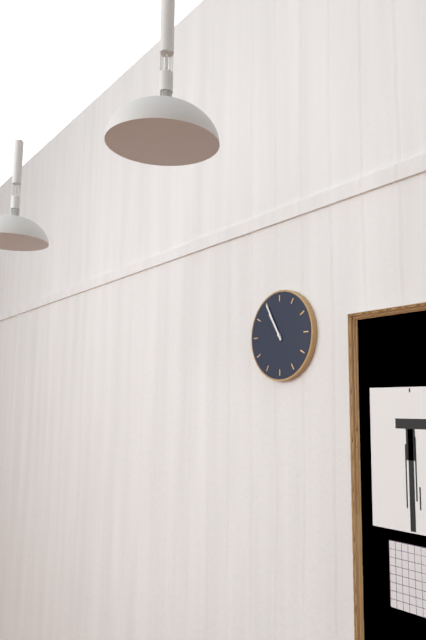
10h55
